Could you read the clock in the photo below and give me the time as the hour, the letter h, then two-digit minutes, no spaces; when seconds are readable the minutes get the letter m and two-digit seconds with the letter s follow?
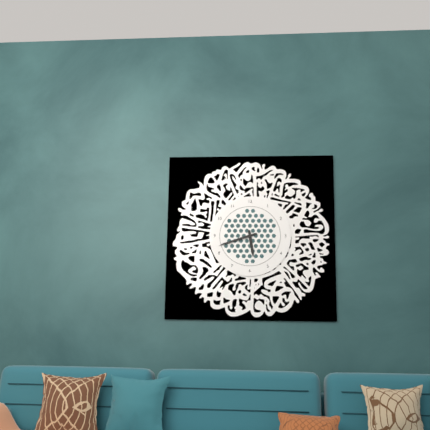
5h42
